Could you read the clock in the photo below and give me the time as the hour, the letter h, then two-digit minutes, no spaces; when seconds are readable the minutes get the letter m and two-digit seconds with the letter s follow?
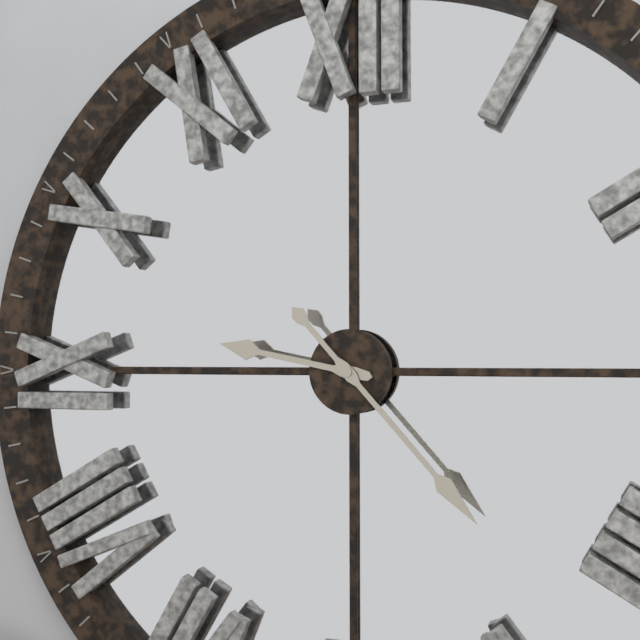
9h23
